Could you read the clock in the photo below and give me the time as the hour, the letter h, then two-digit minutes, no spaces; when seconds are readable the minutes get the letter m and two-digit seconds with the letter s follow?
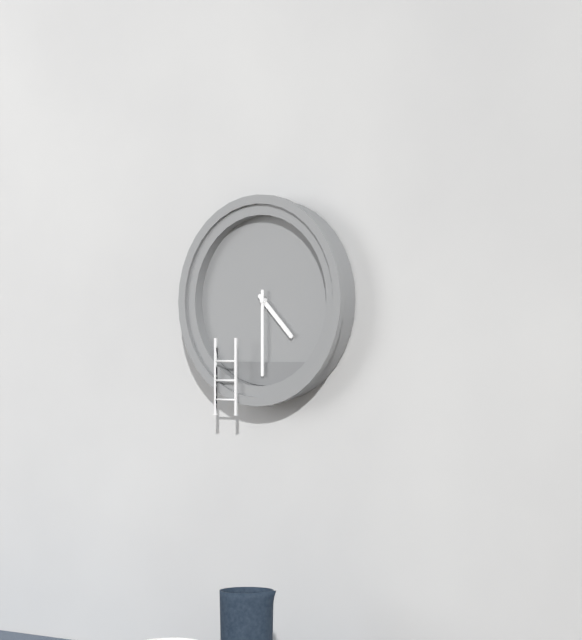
4h30
